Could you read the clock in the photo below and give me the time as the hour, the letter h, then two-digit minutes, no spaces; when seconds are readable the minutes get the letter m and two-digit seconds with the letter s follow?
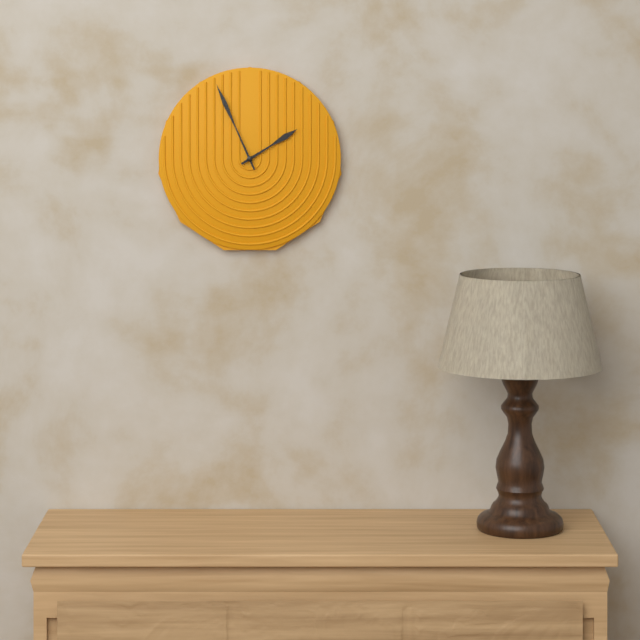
1h56
